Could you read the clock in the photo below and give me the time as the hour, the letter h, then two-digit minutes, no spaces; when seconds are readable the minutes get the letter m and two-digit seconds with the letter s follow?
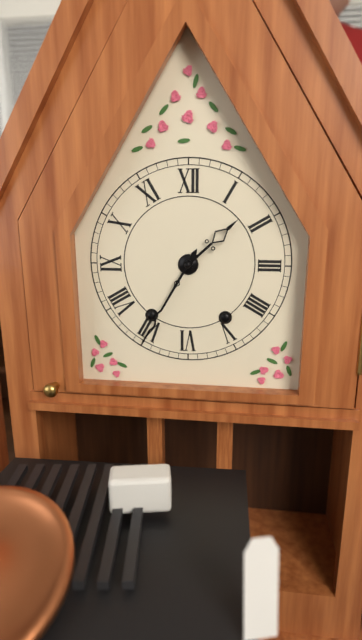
1h35
